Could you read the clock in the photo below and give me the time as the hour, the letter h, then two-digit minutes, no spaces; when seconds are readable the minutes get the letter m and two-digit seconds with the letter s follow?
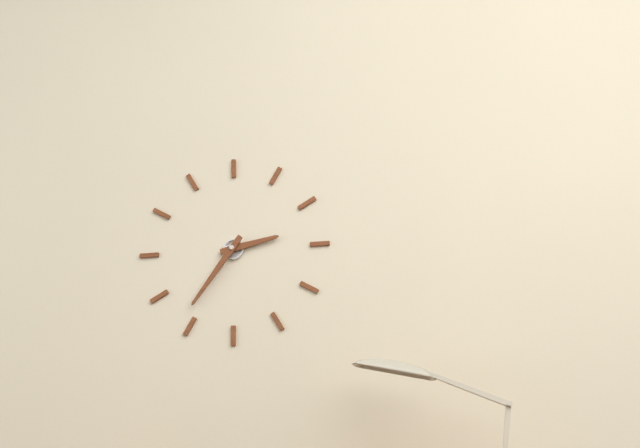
2h36
